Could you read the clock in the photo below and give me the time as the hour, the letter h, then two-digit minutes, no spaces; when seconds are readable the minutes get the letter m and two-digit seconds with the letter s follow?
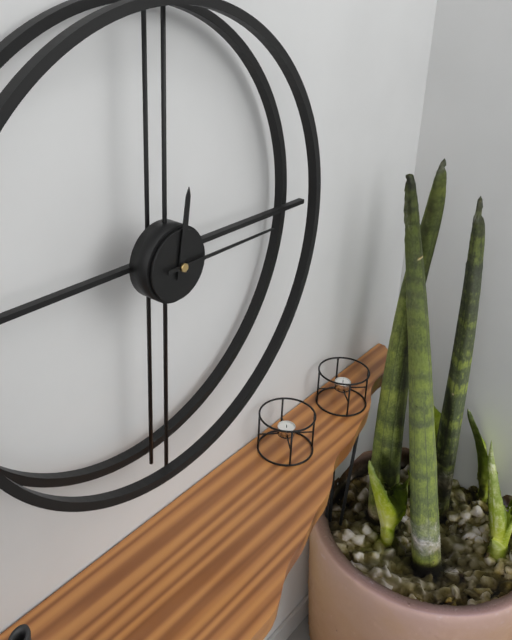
12h15
